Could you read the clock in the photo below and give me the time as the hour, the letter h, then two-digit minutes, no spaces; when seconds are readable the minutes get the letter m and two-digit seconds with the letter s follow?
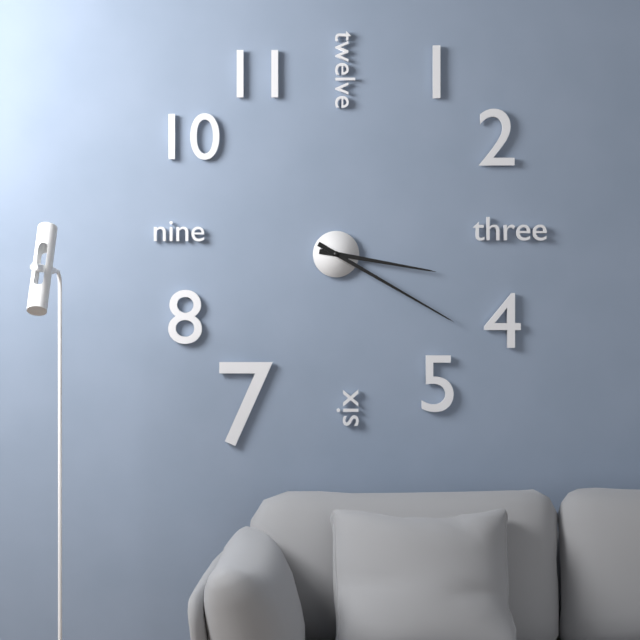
3h20
